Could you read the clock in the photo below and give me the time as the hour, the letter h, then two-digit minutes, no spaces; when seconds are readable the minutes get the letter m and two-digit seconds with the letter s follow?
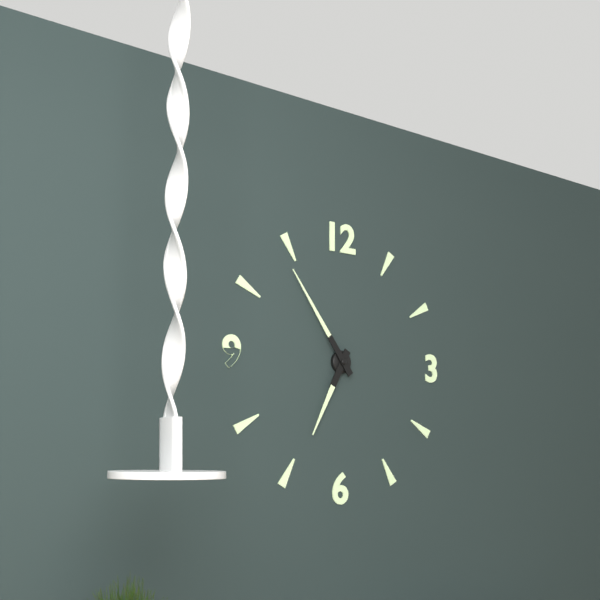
6h54
